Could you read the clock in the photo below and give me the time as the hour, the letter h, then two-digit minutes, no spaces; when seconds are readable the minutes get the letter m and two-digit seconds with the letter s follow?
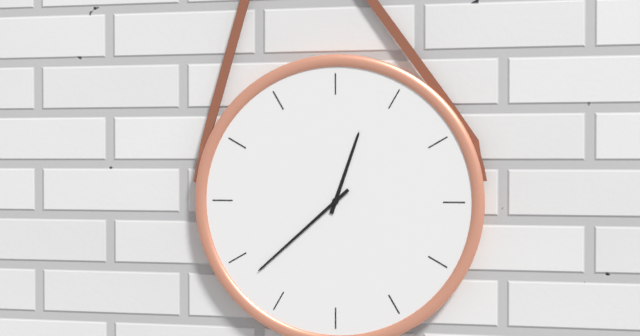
12h38
